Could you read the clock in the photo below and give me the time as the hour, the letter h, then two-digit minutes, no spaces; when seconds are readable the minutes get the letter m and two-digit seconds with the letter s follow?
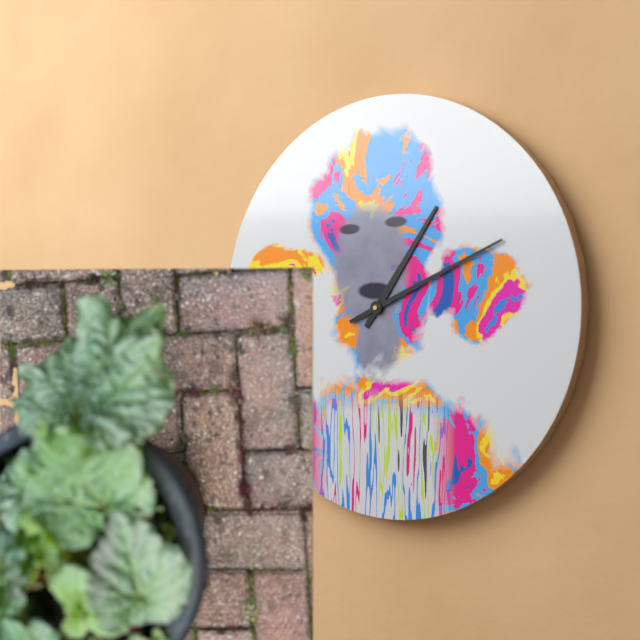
1h11
